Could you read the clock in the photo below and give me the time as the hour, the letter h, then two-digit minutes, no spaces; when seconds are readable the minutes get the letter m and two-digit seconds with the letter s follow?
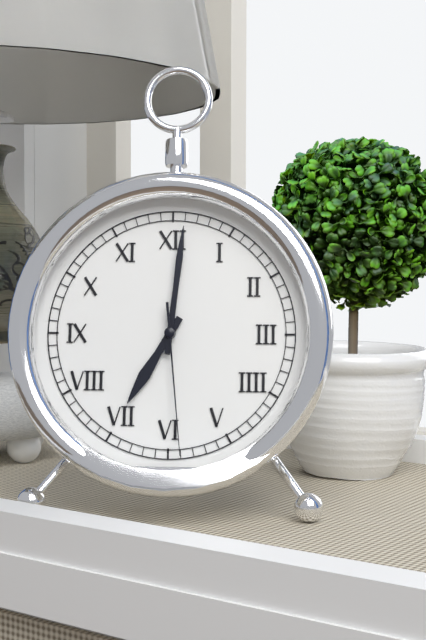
7h01m29s
